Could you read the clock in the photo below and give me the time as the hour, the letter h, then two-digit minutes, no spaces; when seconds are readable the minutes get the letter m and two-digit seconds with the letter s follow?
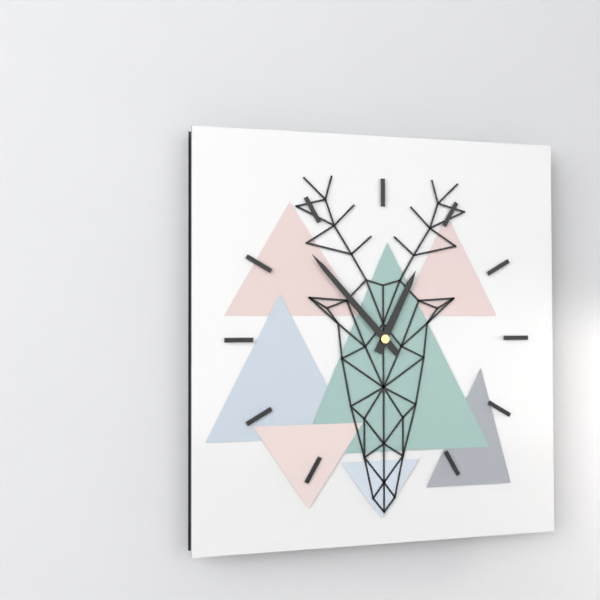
12h53
